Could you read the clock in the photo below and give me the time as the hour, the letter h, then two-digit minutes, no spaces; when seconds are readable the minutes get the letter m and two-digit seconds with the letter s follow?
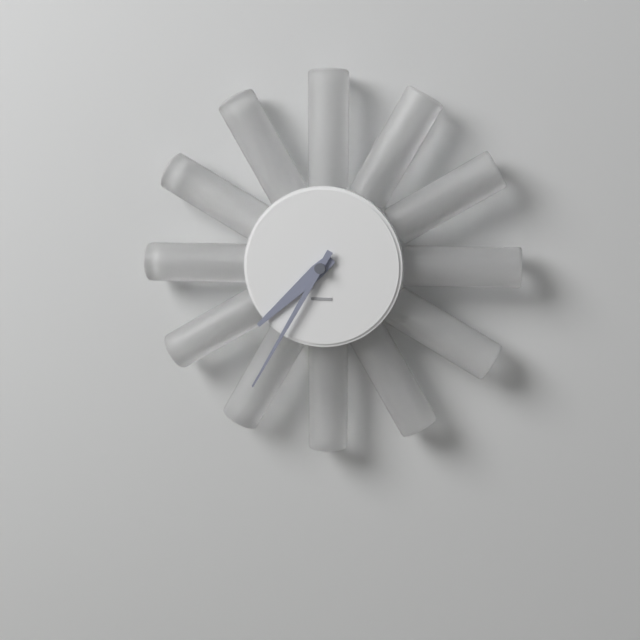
7h35
